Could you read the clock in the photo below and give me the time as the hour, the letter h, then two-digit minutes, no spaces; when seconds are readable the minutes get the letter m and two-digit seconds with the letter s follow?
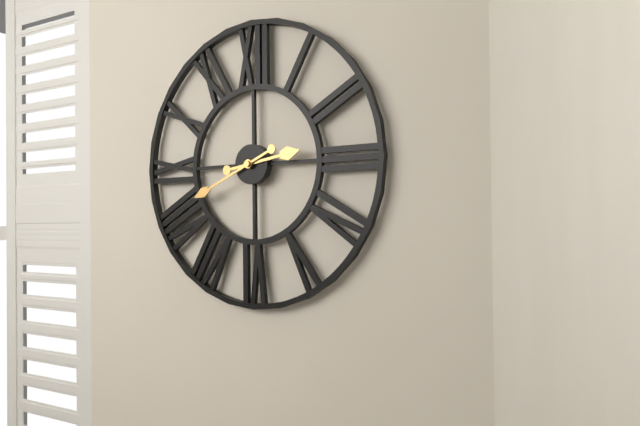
2h41
